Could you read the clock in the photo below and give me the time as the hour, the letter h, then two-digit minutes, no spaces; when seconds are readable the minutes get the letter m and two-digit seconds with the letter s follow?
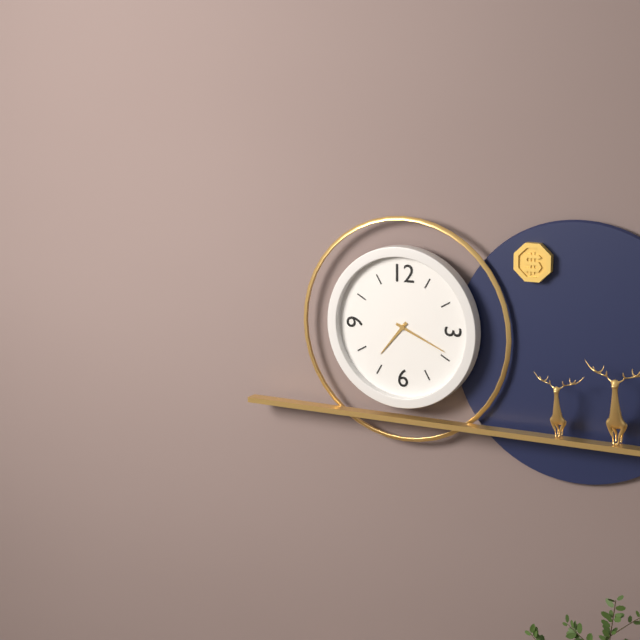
7h19
